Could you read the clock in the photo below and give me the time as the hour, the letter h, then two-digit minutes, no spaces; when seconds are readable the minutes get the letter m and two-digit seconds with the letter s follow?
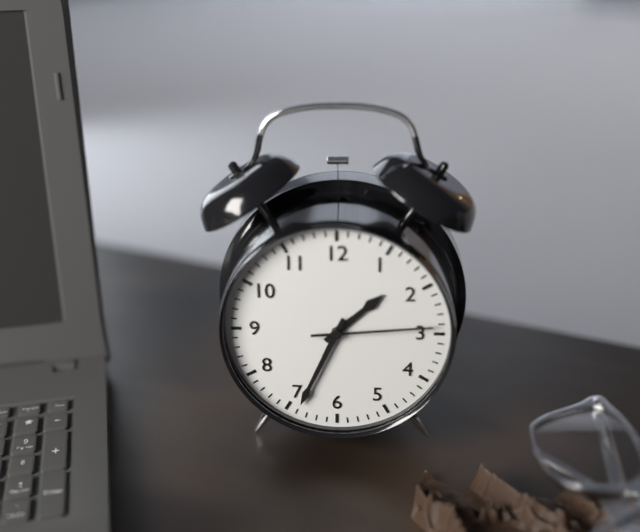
1h34m14s
